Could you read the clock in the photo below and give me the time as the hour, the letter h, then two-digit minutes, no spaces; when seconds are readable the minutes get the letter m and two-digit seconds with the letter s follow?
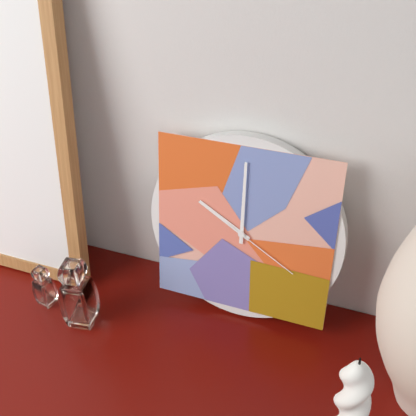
10h00m20s
